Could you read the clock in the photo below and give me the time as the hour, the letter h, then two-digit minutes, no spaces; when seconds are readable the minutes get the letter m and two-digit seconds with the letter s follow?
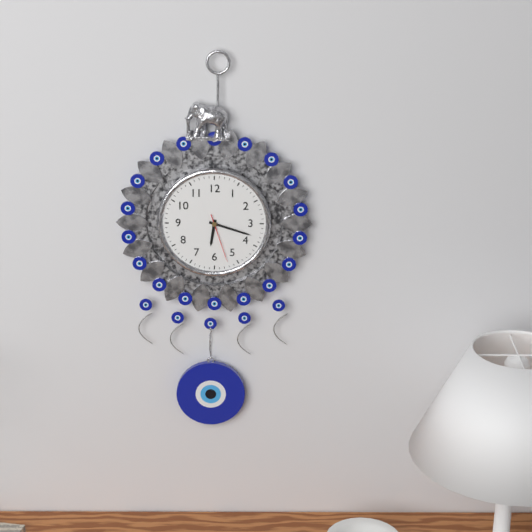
6h18m27s
